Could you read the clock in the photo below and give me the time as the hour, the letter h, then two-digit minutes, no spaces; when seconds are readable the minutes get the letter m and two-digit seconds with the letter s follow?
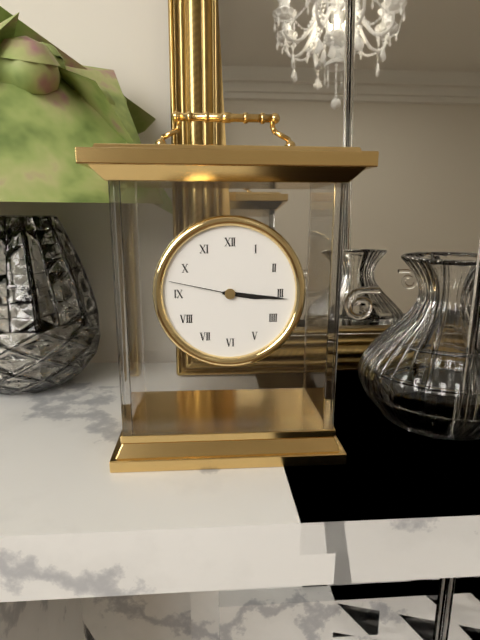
3h16m47s
